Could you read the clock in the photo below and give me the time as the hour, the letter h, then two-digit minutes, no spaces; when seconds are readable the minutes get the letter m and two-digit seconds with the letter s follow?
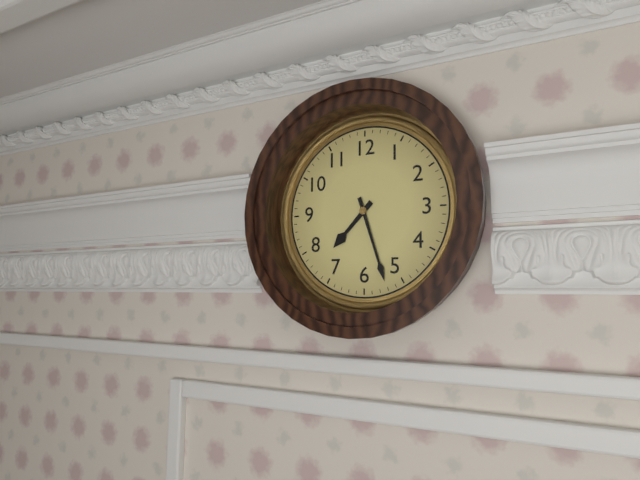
7h27
